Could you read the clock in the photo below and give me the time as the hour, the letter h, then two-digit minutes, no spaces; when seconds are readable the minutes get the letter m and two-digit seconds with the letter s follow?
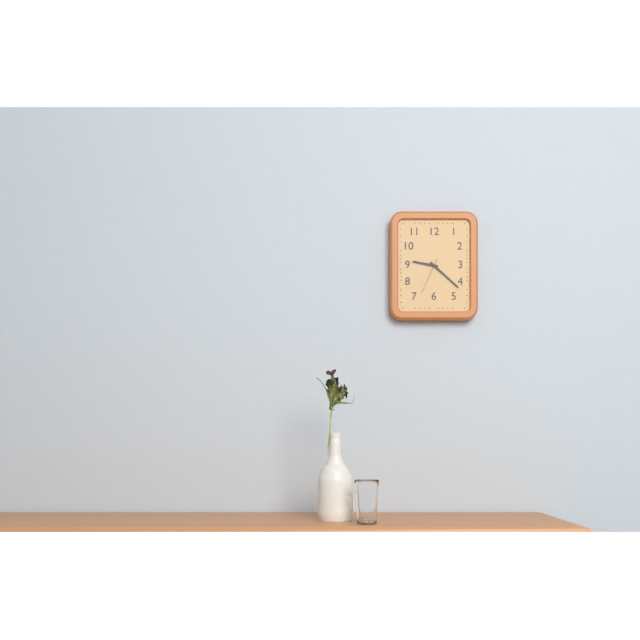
9h22
